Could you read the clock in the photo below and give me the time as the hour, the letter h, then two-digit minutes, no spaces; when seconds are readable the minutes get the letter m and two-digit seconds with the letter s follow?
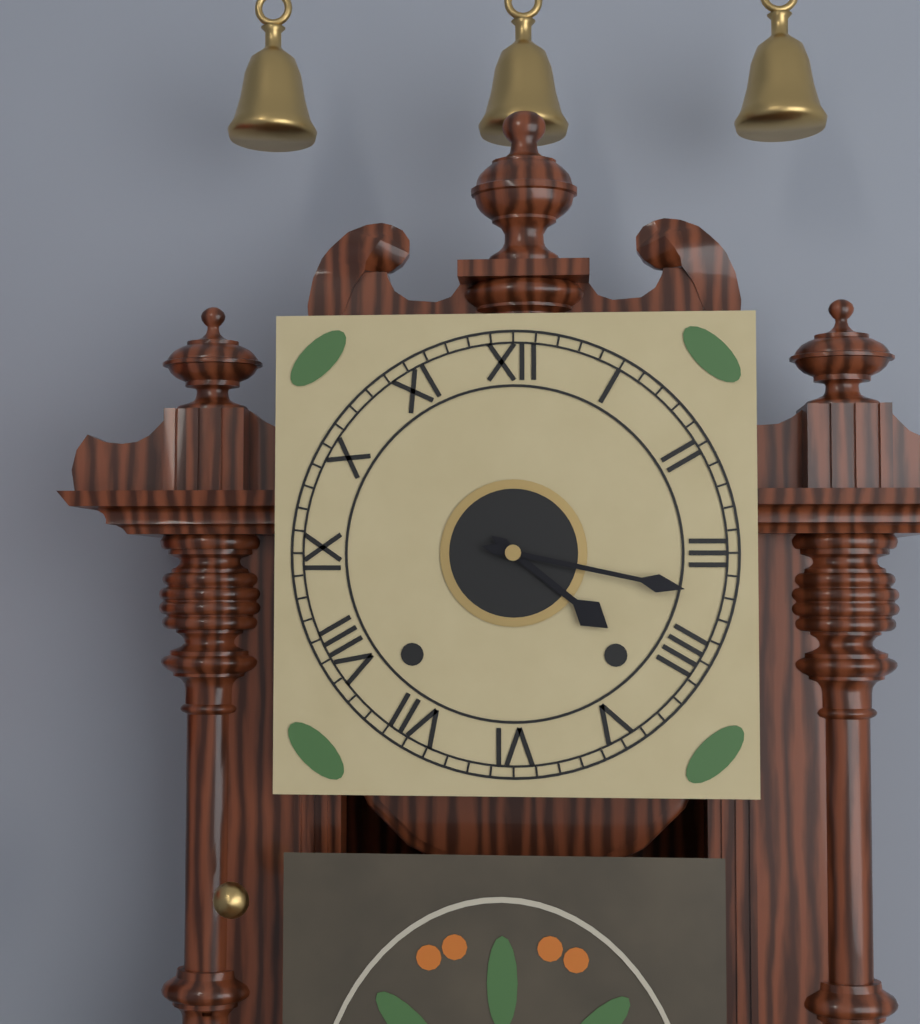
4h17
